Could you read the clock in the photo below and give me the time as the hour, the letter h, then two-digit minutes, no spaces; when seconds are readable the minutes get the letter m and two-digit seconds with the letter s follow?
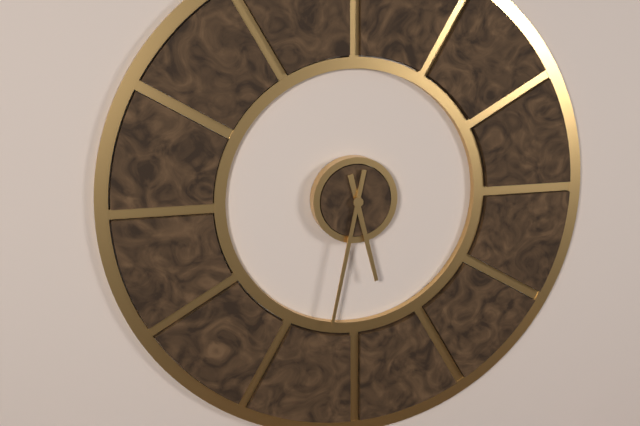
5h32
